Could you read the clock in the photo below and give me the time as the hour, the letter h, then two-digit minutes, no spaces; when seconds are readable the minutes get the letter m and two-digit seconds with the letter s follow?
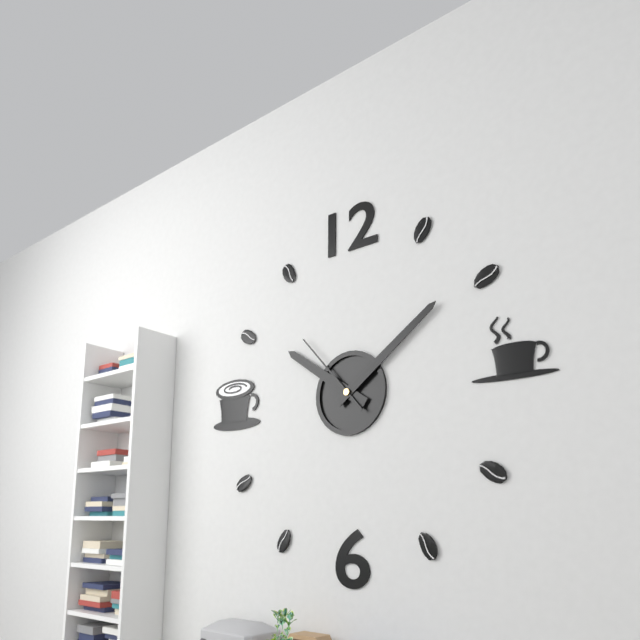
10h09m53s
